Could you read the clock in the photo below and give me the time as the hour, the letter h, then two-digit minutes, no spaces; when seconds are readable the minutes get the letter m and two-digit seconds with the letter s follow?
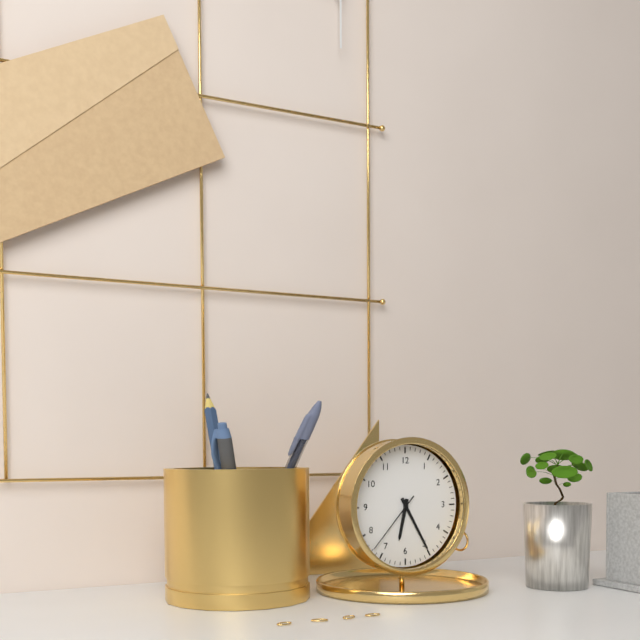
6h25m37s
